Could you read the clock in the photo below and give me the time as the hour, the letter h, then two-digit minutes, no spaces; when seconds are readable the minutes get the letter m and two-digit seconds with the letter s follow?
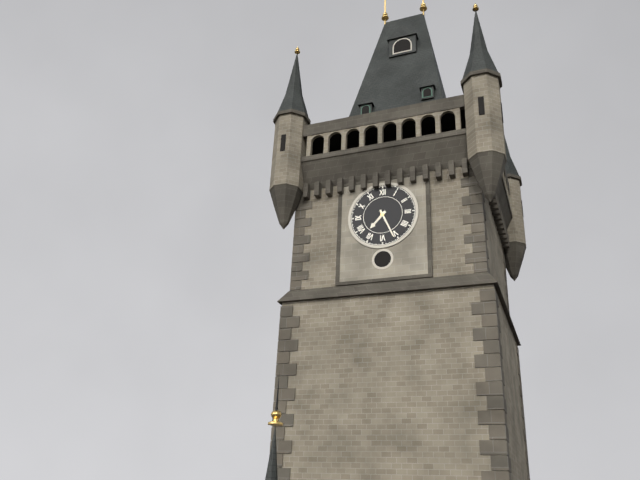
7h26
